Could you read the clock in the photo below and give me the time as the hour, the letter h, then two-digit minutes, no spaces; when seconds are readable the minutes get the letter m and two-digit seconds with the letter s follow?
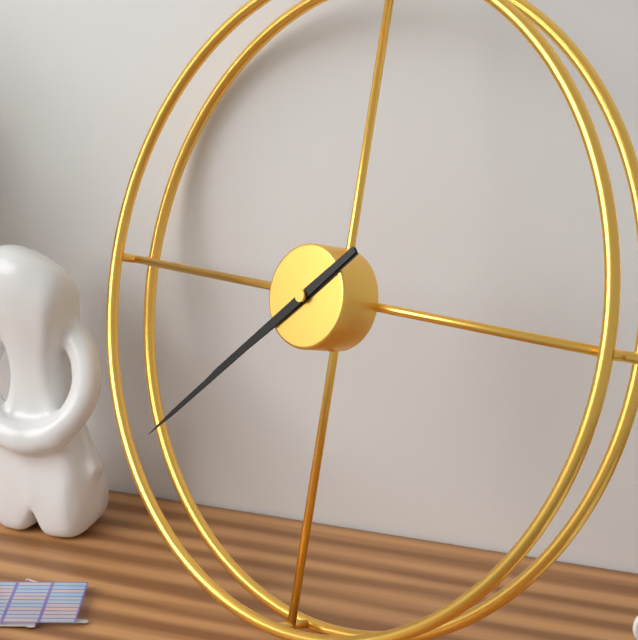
7h38
